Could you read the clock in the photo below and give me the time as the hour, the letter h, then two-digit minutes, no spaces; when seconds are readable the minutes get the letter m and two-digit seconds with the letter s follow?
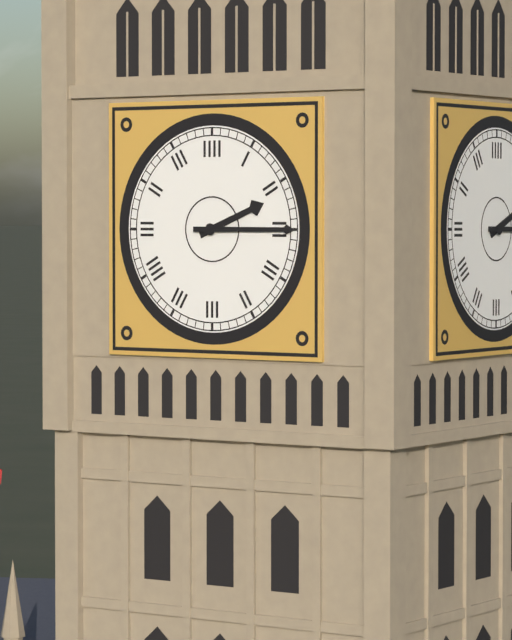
2h15
